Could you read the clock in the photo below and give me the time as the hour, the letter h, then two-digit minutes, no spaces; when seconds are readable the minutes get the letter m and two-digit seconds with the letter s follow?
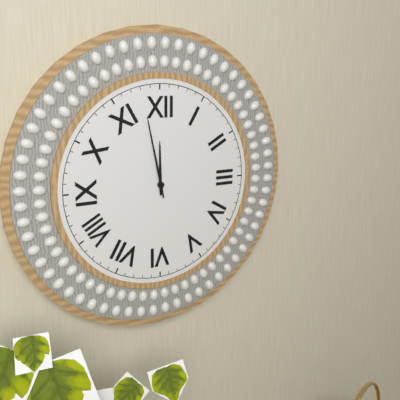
11h58
